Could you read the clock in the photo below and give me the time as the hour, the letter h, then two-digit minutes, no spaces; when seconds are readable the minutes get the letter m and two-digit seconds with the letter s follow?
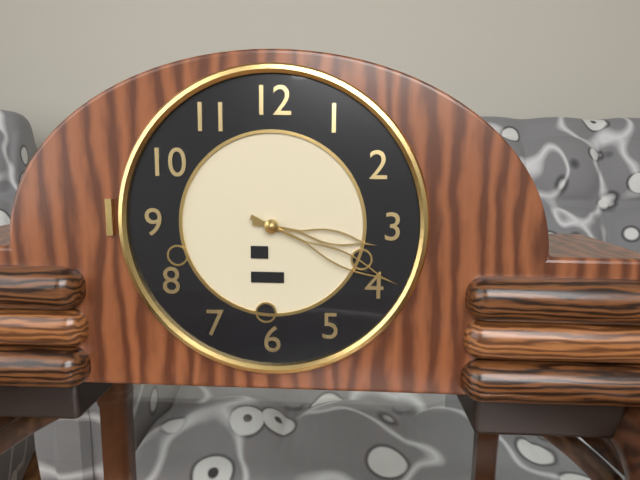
3h19
